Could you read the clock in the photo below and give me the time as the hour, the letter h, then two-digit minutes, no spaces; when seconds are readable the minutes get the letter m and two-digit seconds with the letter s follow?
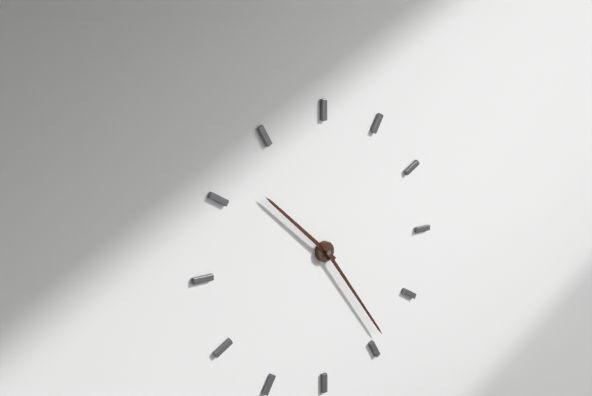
10h24
